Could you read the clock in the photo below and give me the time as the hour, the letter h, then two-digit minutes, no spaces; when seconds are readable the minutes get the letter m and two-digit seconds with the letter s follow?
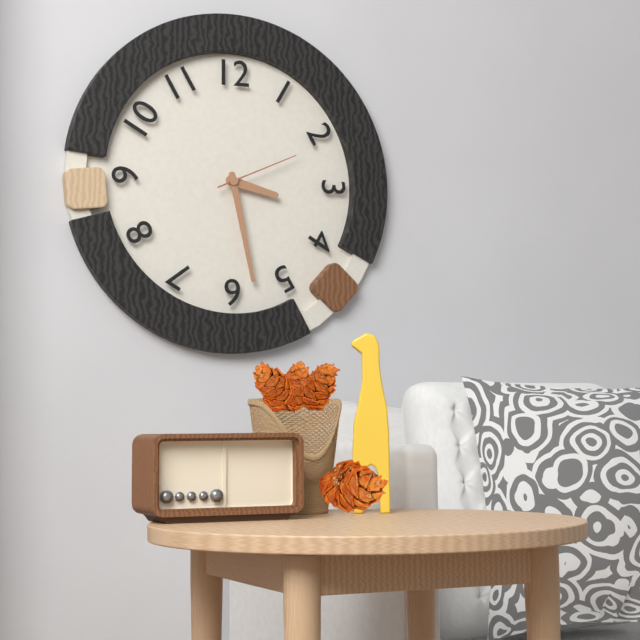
3h28m11s
